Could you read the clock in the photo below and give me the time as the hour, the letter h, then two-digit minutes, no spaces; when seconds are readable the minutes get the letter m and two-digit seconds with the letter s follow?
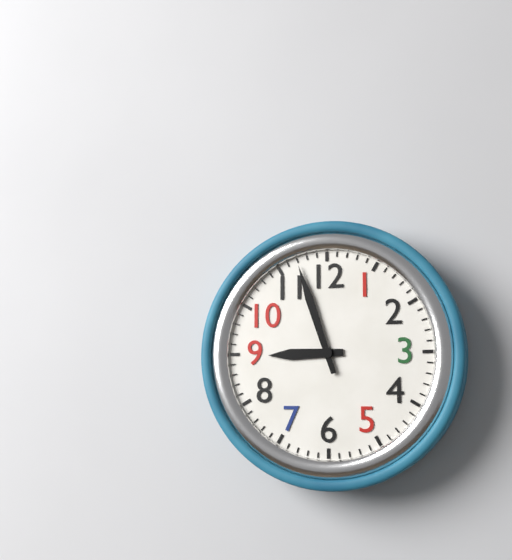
8h57
